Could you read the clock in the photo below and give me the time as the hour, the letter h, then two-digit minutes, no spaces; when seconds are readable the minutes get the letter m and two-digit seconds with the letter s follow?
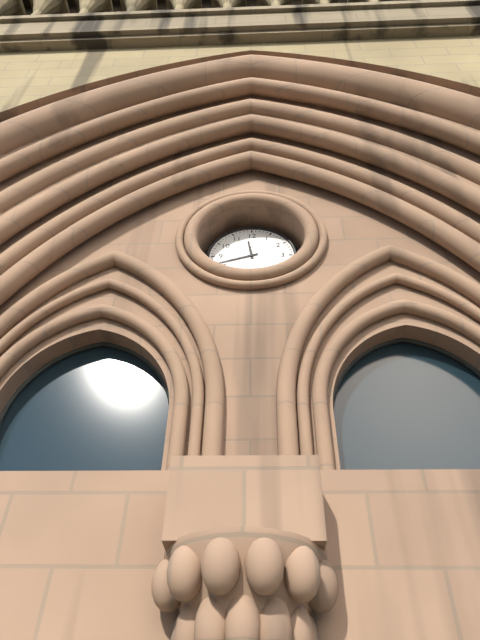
11h42
